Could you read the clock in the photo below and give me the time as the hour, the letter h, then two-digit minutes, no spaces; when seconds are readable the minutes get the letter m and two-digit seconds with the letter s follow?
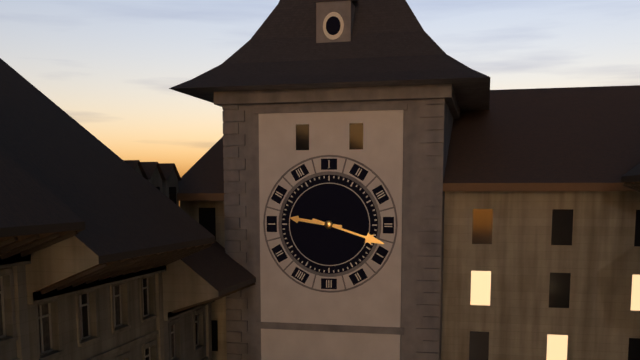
9h18
